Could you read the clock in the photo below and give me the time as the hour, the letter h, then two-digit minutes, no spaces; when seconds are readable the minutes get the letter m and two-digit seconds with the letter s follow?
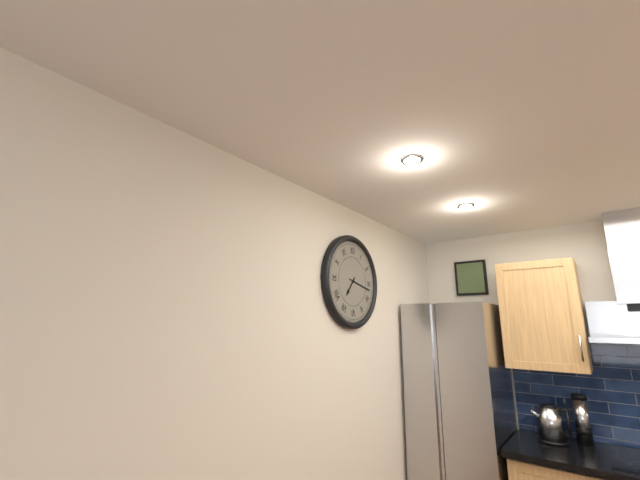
7h17
